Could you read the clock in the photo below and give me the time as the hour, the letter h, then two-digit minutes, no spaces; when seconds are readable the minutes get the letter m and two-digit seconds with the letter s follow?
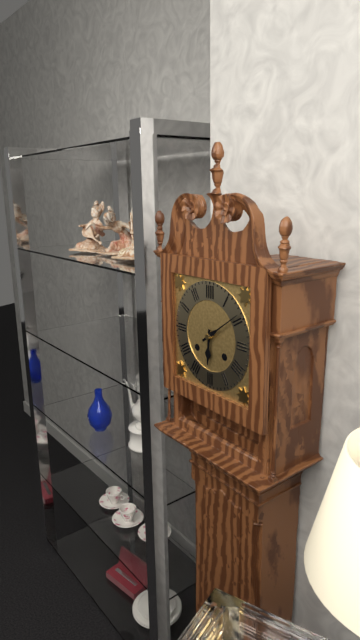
6h09
